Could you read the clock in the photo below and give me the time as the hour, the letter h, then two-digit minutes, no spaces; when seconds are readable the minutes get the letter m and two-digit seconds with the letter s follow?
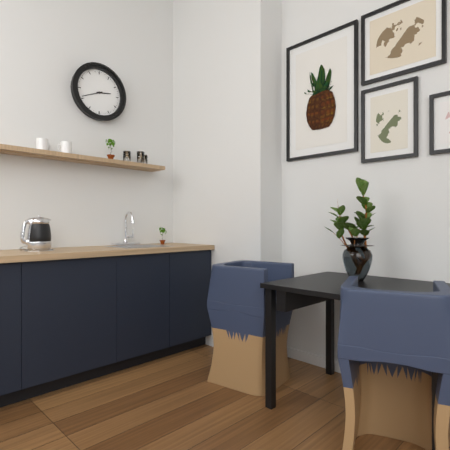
2h41
